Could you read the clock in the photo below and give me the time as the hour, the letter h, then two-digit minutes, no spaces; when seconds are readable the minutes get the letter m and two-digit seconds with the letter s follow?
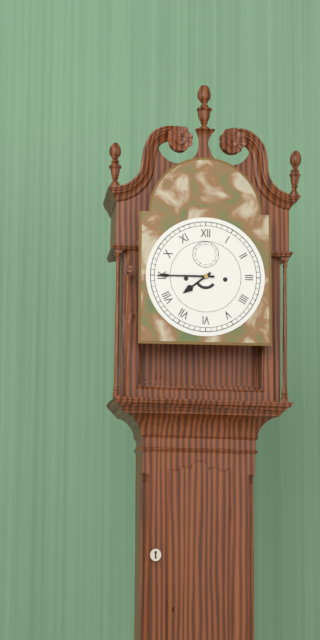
7h45
